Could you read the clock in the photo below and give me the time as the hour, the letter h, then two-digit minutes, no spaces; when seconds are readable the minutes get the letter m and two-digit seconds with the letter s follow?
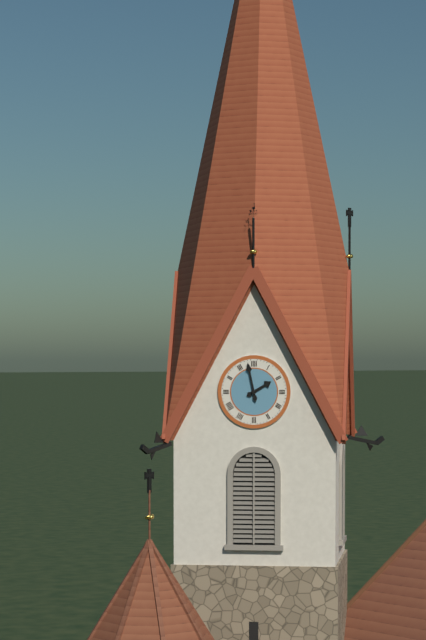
1h58
